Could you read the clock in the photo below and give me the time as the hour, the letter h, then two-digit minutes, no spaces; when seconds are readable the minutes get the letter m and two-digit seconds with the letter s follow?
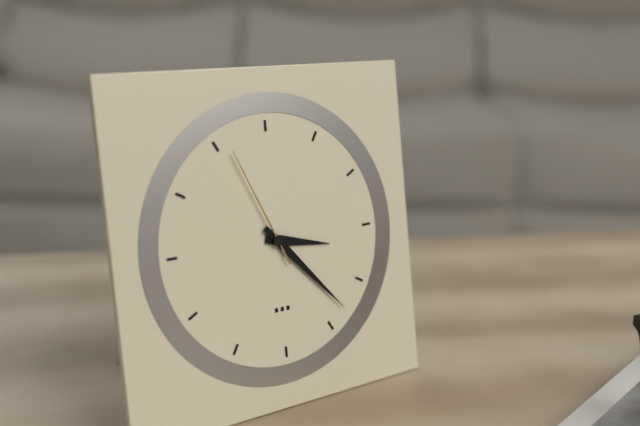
3h23m56s
